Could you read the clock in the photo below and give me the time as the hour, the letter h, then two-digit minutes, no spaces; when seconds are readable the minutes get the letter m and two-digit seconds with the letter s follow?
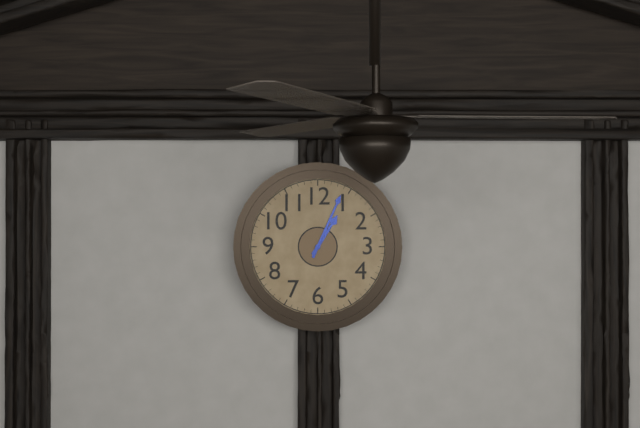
1h04
